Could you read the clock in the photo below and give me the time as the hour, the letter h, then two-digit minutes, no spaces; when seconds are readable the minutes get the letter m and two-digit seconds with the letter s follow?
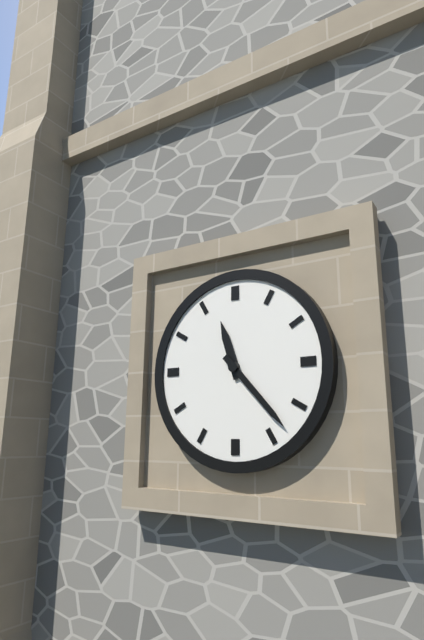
11h23
